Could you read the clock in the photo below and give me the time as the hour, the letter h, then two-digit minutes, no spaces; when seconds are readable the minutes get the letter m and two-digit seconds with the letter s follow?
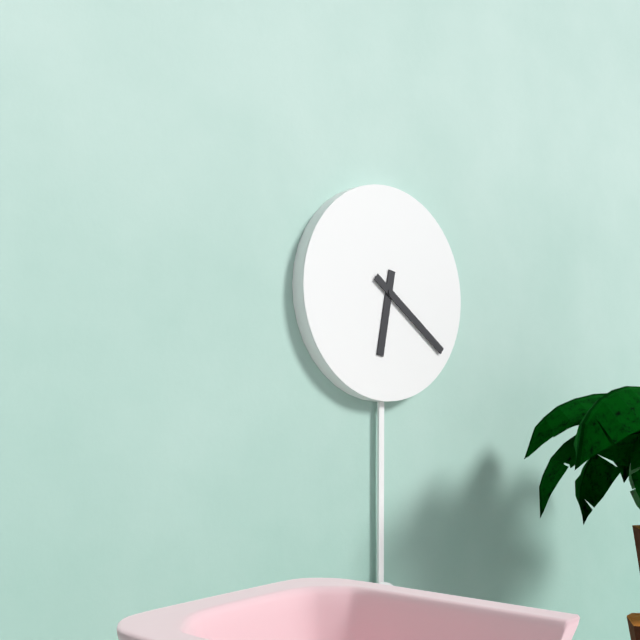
6h21
